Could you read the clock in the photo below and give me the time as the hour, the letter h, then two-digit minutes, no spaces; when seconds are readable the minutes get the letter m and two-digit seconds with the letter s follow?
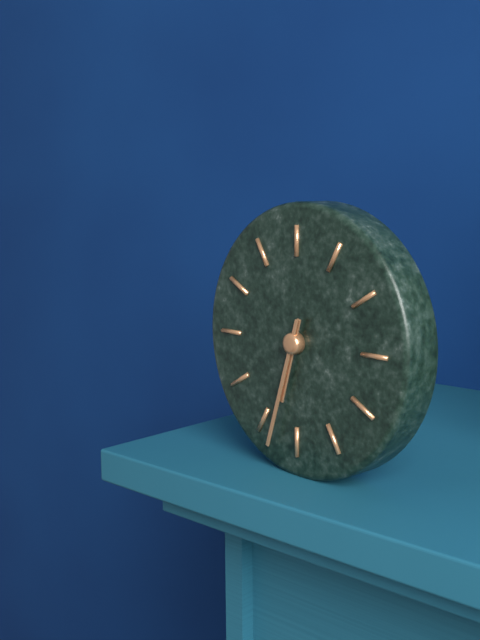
6h33
